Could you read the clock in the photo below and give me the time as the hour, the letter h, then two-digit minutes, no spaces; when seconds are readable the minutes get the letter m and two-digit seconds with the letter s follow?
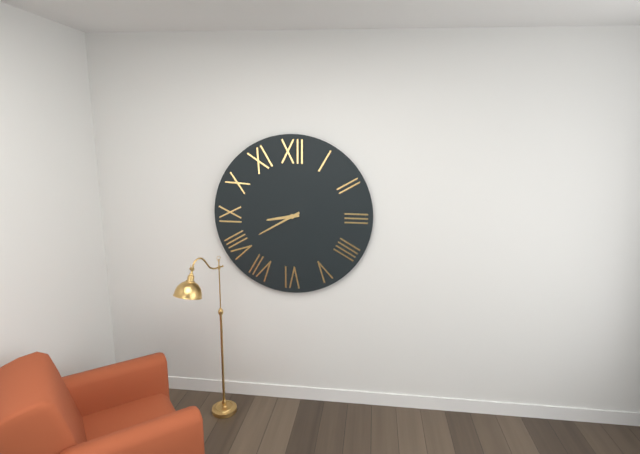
8h40
